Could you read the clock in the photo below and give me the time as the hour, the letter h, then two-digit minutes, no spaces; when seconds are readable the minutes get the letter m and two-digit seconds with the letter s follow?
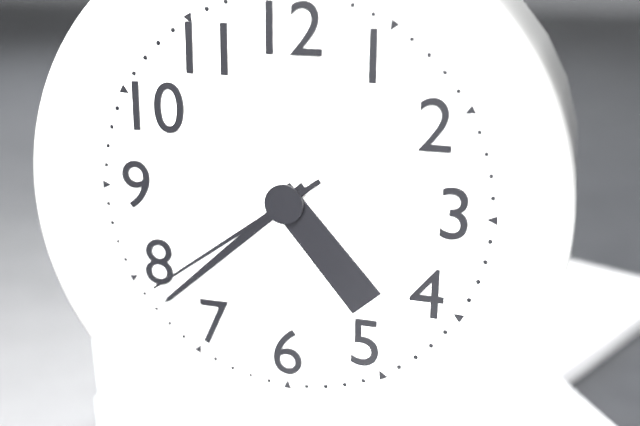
4h38m39s
